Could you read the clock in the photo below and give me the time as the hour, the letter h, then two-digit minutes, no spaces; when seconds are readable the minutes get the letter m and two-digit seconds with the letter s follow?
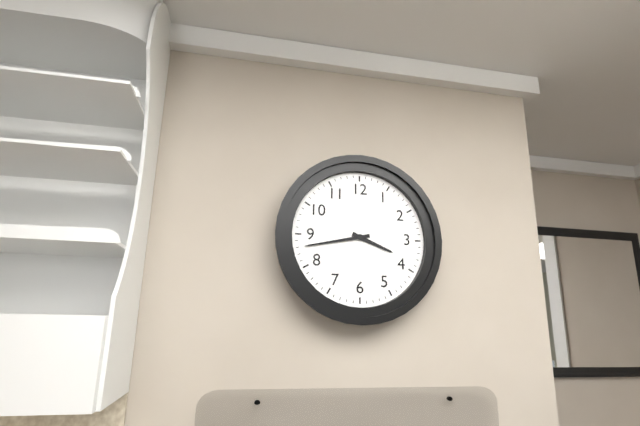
3h43
